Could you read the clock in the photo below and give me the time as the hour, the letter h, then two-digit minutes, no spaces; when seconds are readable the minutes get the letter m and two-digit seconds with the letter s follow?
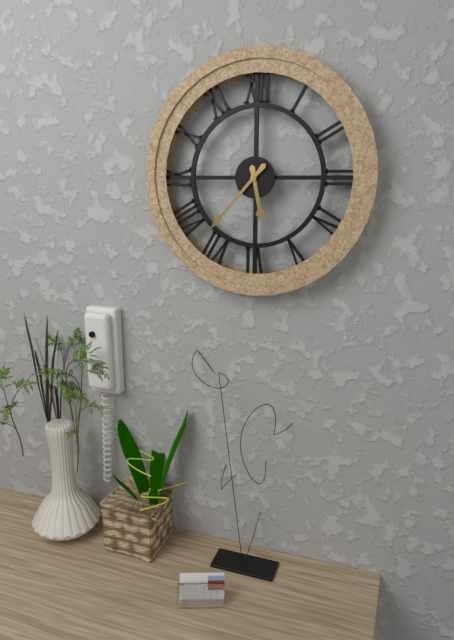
5h37
